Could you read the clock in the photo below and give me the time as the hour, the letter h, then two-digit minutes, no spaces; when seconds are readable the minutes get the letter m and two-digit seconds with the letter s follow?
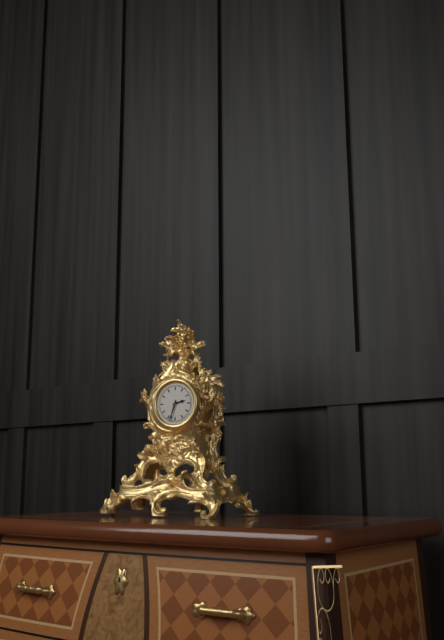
2h33
